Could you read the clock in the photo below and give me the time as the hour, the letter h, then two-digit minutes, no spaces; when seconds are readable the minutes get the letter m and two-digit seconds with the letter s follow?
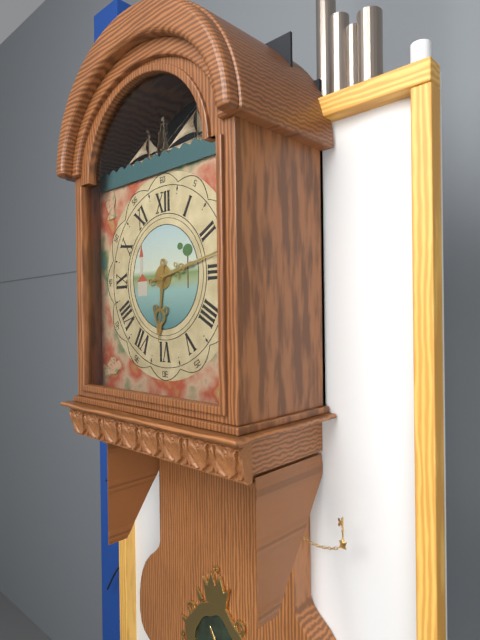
6h13
